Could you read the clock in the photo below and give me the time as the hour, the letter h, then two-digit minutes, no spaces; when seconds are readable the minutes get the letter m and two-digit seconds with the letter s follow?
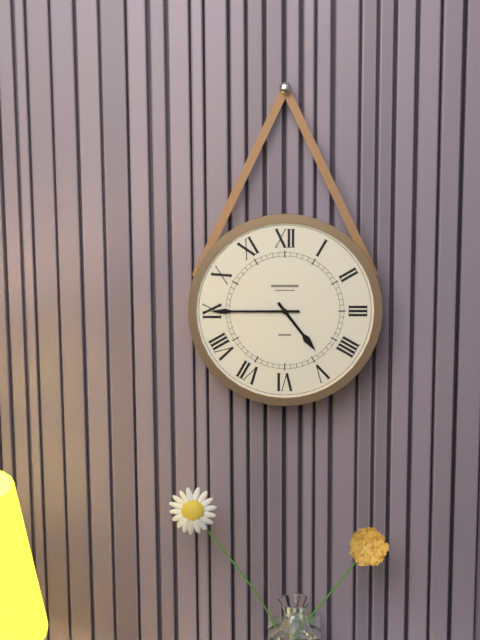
4h45
